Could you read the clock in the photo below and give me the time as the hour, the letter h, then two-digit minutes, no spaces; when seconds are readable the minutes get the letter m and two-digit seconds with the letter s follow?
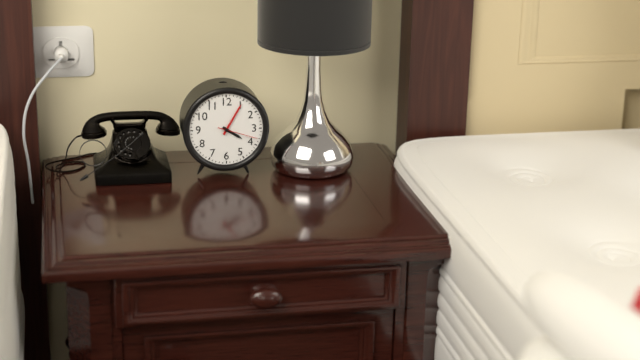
4h05
